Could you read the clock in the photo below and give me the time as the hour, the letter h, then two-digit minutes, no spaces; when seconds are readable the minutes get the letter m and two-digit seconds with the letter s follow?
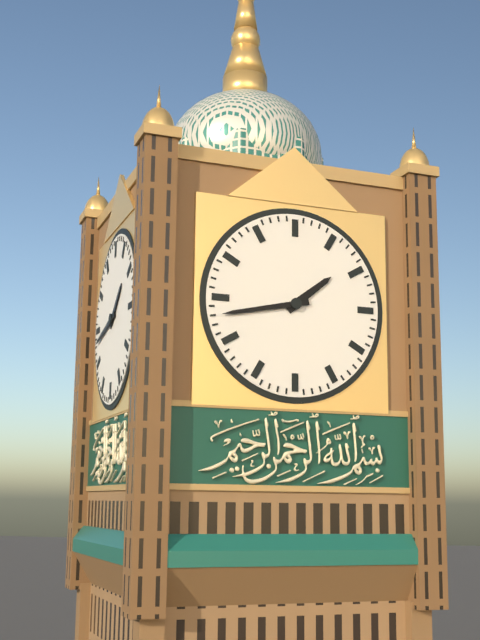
1h43
